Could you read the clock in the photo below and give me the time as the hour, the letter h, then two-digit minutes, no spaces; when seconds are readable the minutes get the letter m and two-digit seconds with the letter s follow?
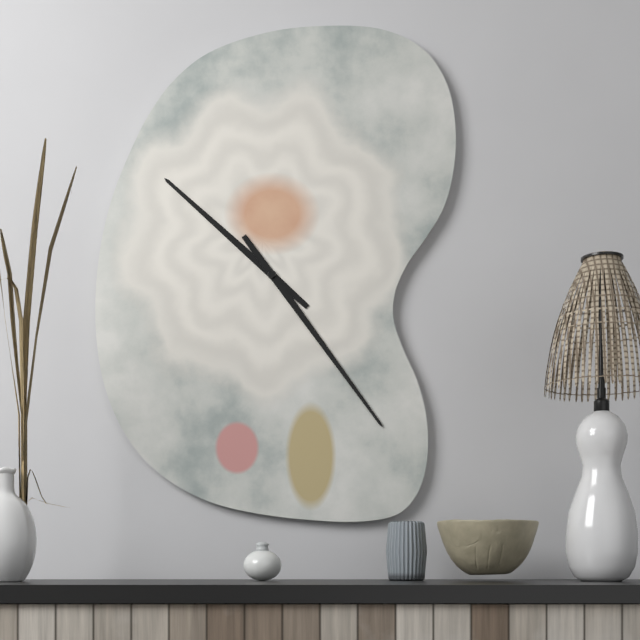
10h24
